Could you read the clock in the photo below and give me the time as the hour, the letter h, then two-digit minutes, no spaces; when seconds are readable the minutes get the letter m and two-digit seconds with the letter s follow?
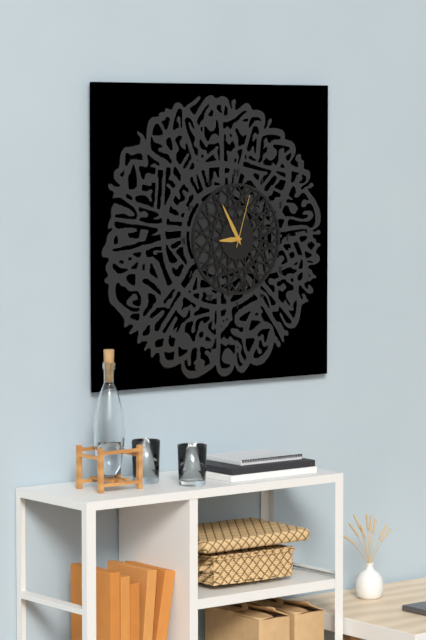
8h55m03s
